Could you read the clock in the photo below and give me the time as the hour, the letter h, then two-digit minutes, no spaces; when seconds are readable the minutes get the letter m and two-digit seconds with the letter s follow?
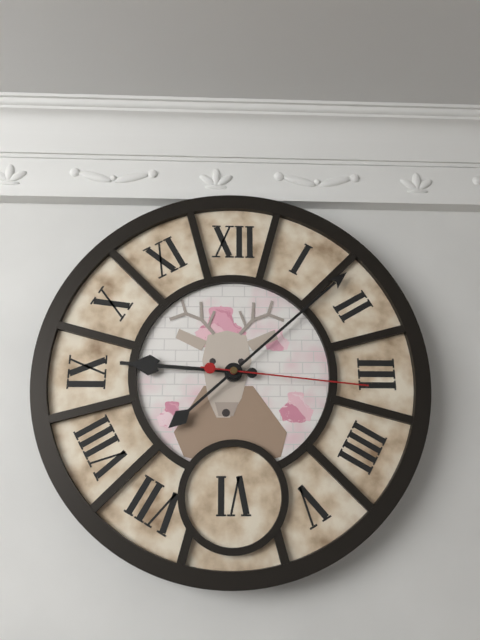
9h08m16s
